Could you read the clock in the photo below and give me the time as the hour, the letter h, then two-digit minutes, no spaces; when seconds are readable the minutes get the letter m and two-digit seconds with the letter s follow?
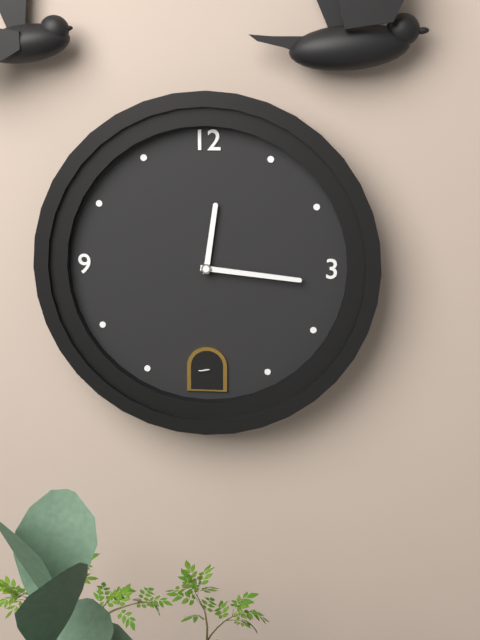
12h16
